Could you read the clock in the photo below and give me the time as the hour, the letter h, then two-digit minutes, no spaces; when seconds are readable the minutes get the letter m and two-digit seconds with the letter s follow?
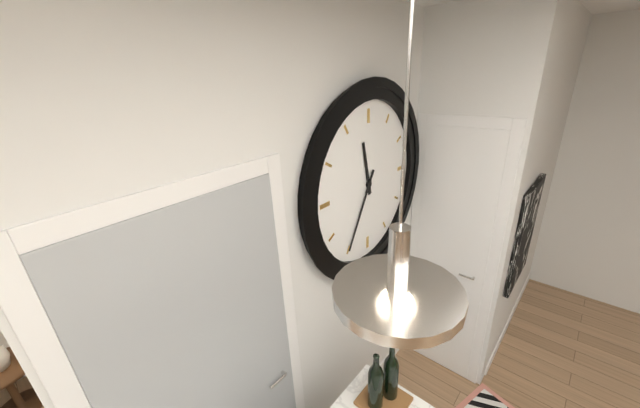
11h35
